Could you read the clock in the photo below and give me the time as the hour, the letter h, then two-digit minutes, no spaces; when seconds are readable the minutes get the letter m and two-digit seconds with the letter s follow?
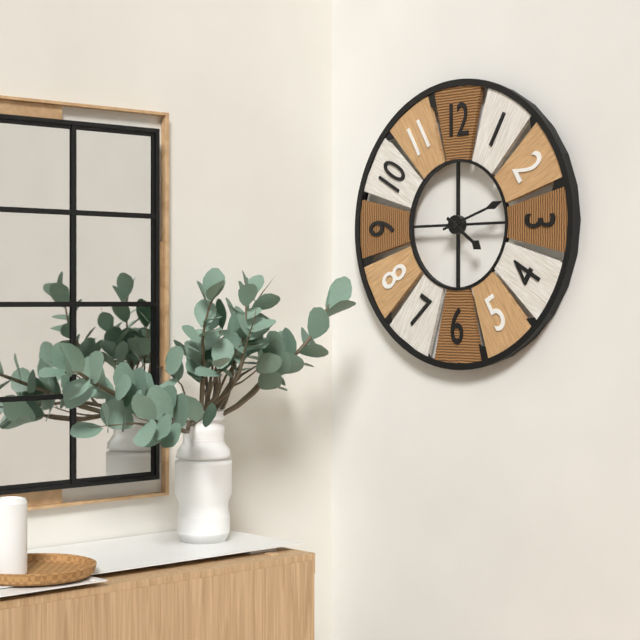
4h12
